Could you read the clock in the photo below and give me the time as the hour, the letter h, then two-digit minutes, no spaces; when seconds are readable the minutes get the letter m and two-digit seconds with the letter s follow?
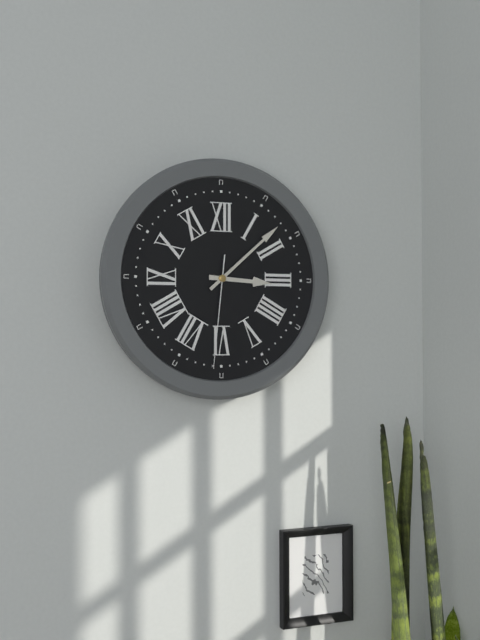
3h08m31s
